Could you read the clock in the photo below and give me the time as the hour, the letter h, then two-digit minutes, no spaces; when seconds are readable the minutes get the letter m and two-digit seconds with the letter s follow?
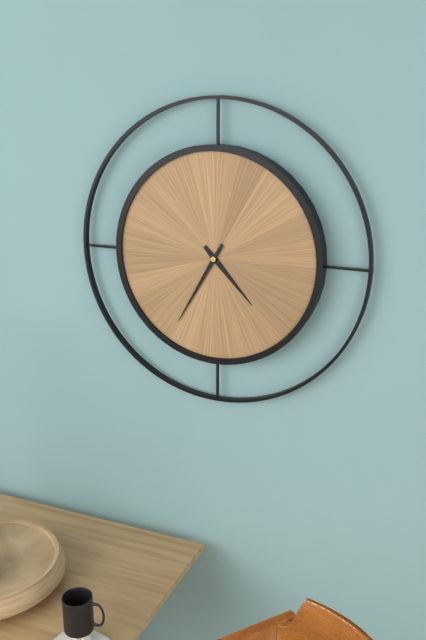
4h35
